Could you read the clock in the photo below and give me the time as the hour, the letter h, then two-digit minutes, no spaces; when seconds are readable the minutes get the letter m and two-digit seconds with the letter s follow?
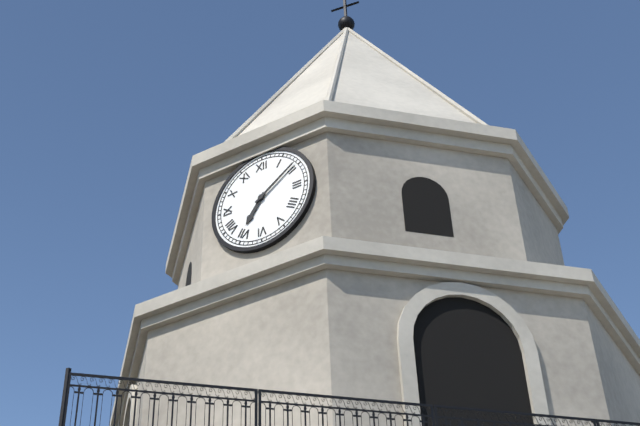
7h09
